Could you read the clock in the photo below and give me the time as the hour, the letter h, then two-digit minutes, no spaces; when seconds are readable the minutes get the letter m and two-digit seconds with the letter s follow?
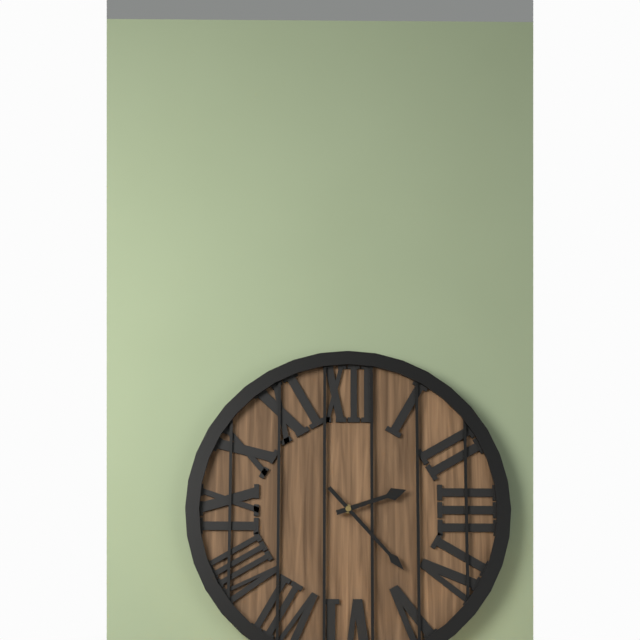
2h23
